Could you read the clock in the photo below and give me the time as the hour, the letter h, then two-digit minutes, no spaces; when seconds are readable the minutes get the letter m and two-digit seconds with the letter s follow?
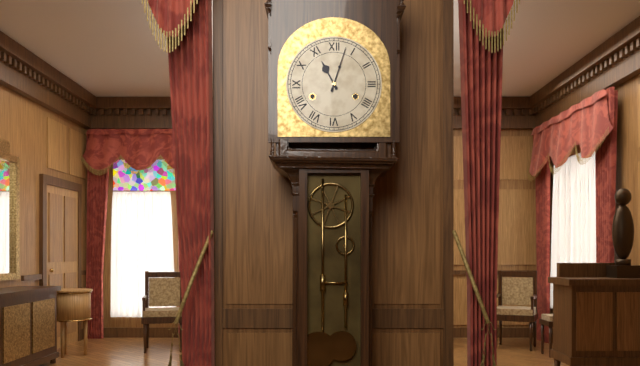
11h03
